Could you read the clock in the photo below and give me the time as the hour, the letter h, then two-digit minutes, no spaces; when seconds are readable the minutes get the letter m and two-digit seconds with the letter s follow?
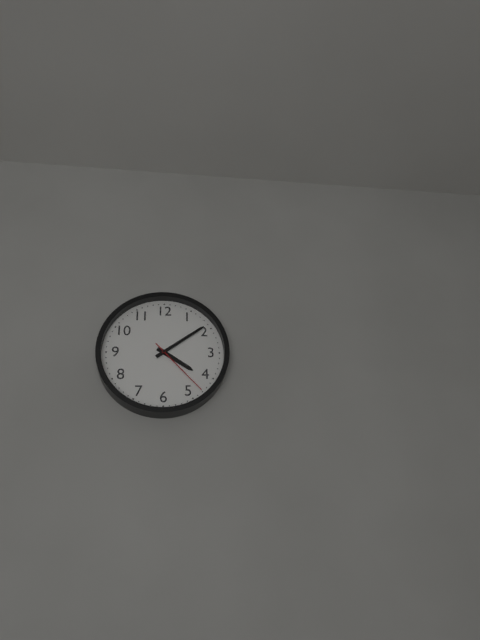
4h09m23s
